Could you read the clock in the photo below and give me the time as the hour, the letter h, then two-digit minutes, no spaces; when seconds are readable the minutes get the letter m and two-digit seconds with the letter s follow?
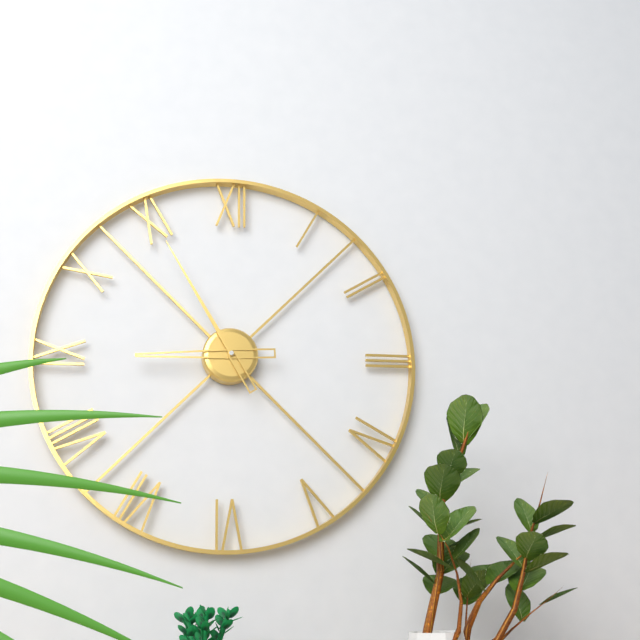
8h55
